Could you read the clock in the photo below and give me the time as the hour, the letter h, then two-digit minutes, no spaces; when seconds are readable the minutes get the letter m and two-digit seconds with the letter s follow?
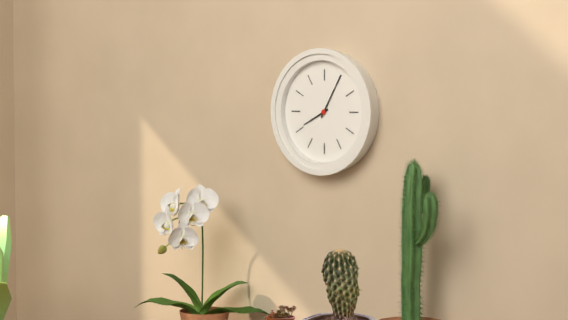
8h05
